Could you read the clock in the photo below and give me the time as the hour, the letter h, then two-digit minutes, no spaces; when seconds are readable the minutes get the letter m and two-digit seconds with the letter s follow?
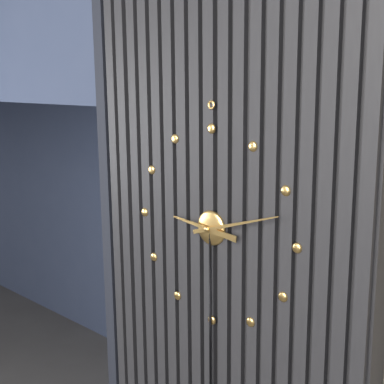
9h12
